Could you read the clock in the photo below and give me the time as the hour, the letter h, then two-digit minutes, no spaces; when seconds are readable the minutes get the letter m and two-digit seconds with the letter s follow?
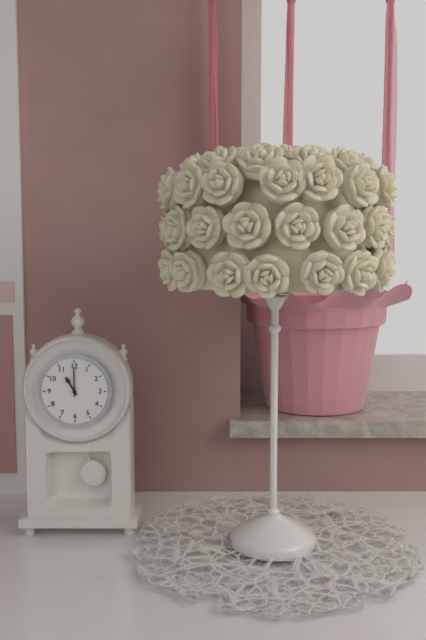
11h00
